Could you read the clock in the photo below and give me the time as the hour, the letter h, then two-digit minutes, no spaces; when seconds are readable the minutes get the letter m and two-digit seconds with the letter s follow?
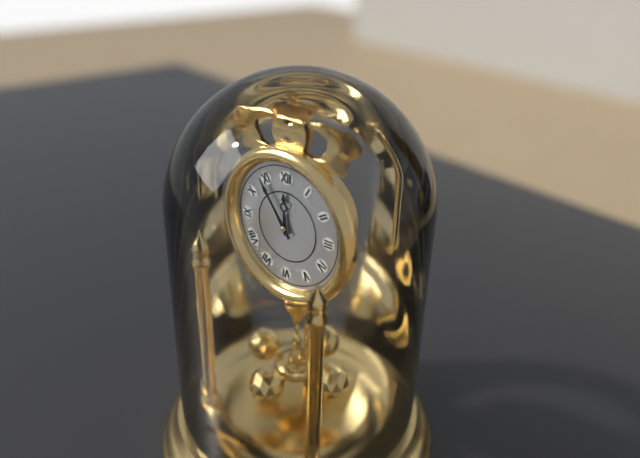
11h54
